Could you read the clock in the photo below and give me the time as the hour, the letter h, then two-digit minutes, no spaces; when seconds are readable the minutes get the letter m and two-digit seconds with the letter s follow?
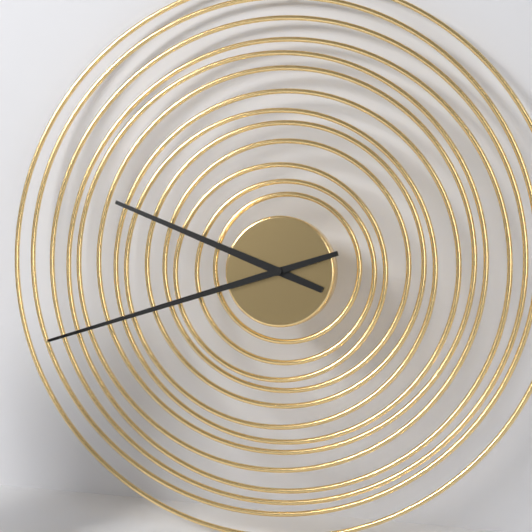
9h42
